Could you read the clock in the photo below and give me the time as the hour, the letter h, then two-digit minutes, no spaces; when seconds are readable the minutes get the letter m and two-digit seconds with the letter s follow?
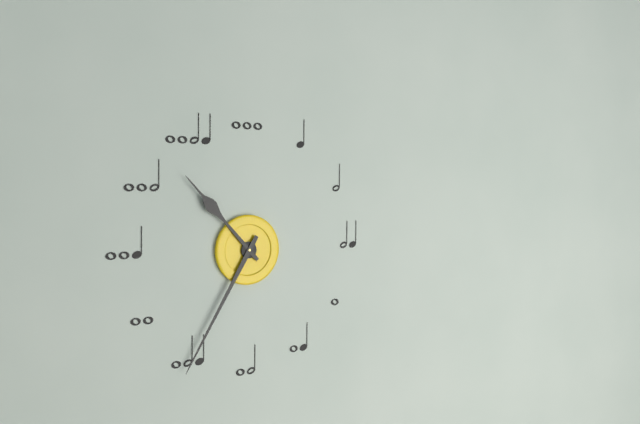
10h35
